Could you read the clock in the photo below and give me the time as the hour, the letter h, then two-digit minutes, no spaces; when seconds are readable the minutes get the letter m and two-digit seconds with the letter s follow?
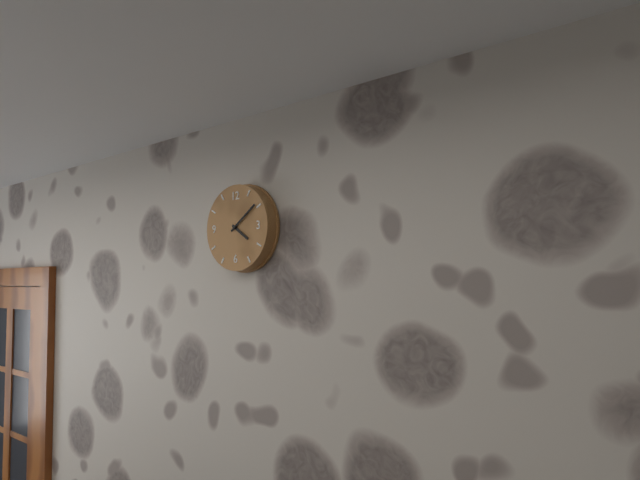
4h09
